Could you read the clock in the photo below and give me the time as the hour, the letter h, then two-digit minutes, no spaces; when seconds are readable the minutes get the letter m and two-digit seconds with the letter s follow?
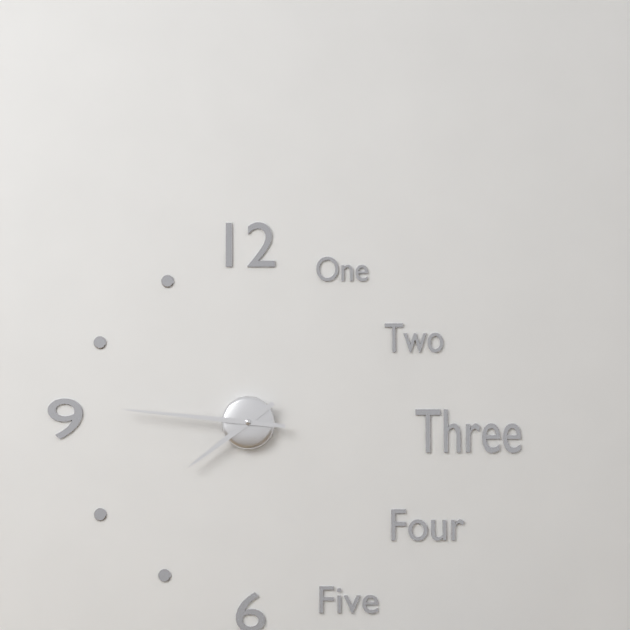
7h46
